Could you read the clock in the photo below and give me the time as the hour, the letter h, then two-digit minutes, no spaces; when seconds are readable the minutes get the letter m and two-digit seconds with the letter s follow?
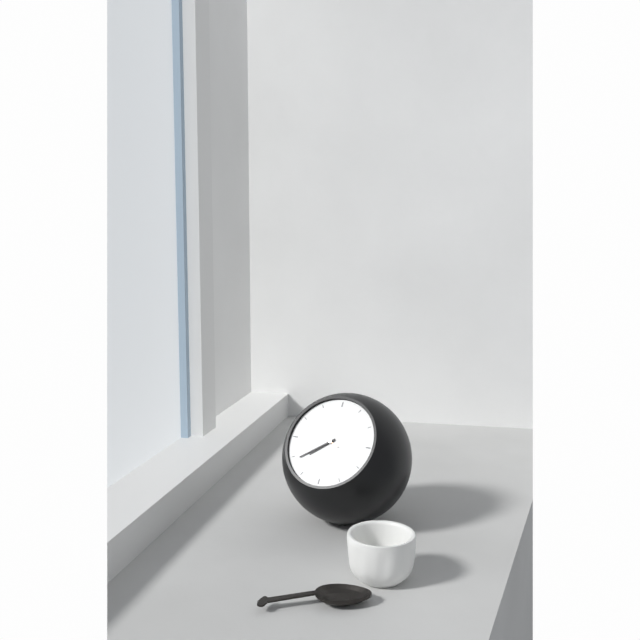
7h39m49s
